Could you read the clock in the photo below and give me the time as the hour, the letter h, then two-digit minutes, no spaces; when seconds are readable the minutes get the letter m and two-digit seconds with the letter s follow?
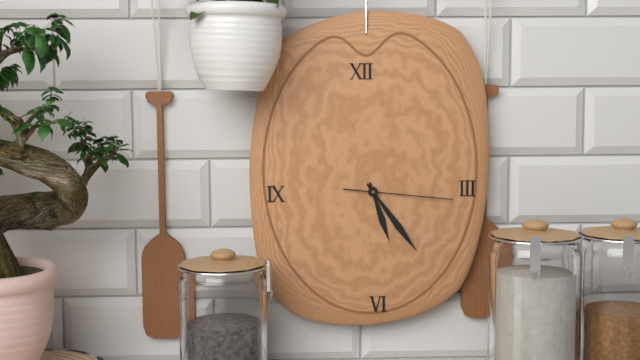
5h24m16s
